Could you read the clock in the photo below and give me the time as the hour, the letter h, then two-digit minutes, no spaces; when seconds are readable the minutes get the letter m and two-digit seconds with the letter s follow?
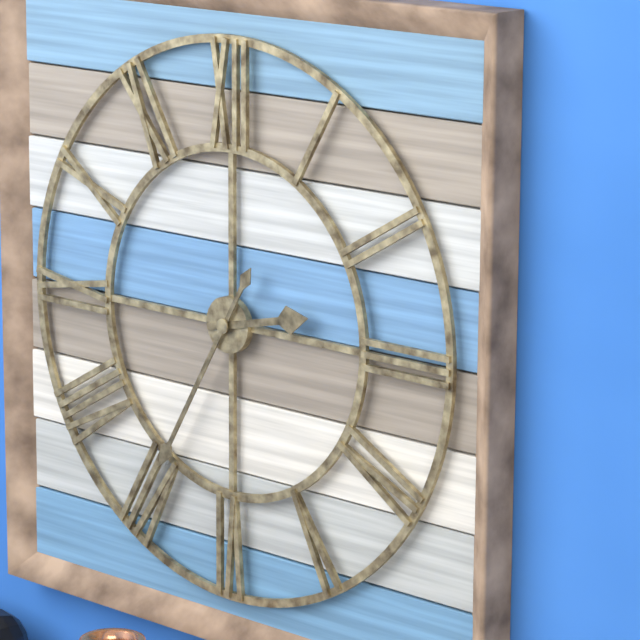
2h35
